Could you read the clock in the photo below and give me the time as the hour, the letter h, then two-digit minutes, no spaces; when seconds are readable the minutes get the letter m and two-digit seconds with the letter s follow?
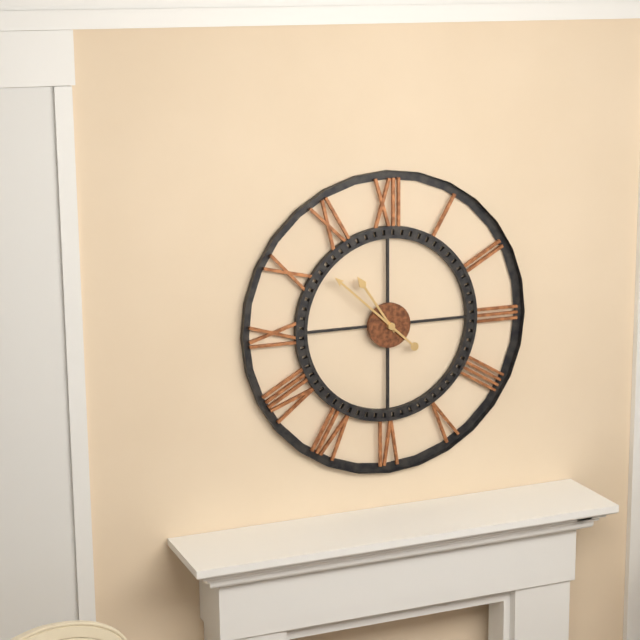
10h52
